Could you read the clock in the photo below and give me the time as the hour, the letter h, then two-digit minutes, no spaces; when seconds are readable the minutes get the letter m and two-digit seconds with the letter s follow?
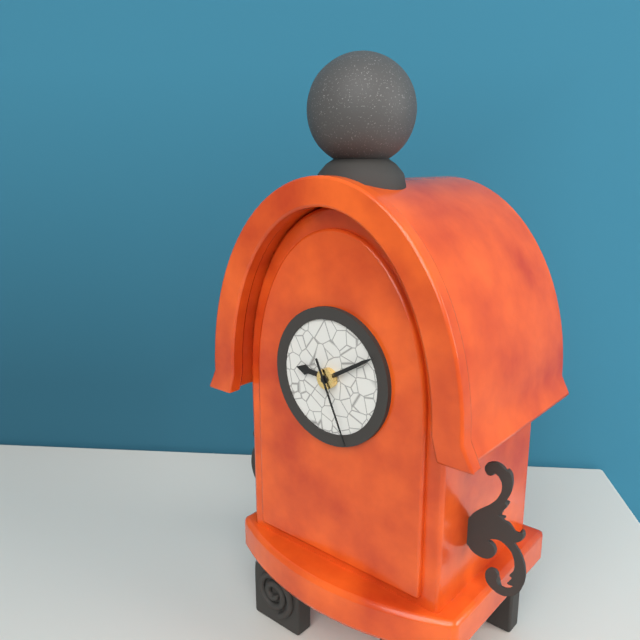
9h10m26s
